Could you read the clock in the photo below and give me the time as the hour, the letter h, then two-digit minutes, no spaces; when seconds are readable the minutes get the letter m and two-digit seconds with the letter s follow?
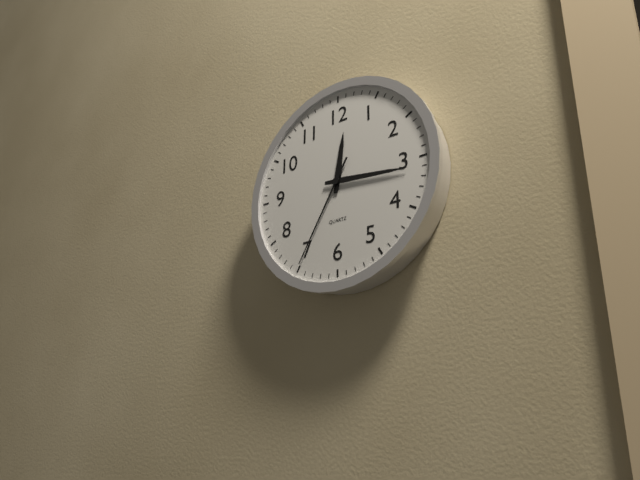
12h16m35s
